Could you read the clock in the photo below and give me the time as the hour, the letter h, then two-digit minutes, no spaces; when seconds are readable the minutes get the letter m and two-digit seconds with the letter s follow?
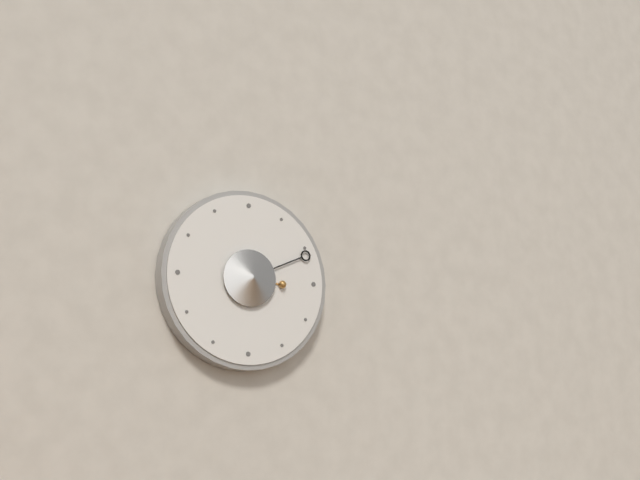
3h11
